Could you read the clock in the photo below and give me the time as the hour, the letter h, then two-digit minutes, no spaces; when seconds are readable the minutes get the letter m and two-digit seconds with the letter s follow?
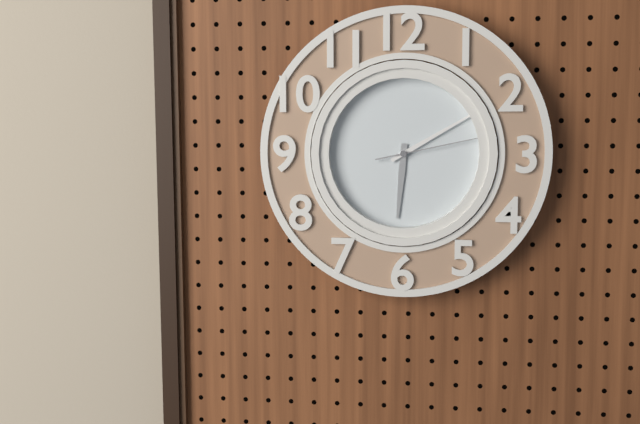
6h10m13s
